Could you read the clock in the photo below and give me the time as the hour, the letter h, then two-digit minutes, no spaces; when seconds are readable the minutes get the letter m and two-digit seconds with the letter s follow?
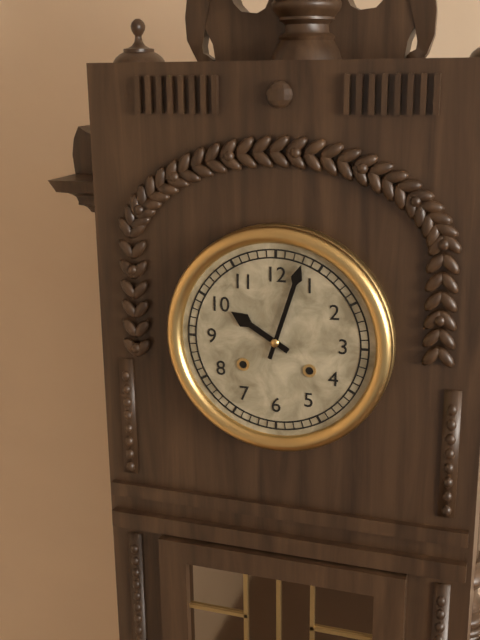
10h03
